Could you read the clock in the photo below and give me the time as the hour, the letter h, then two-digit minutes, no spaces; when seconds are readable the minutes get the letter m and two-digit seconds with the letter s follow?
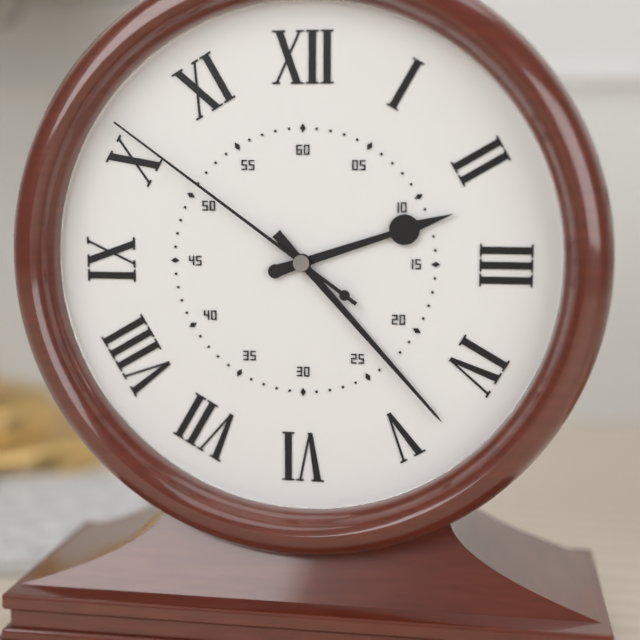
2h23m51s
